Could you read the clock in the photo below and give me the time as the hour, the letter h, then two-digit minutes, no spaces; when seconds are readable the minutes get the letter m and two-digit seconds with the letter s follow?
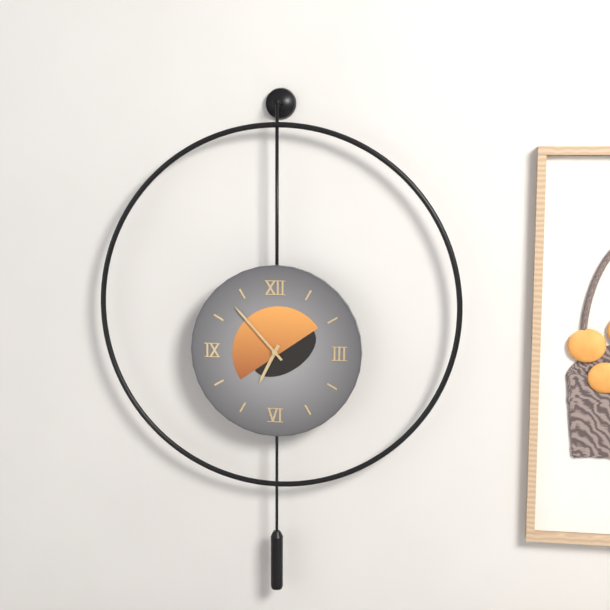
6h53
